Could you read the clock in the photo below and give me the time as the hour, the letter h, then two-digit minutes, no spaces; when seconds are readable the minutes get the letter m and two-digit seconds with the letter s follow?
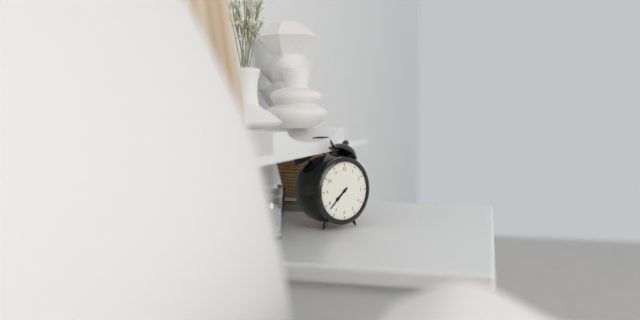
7h38
